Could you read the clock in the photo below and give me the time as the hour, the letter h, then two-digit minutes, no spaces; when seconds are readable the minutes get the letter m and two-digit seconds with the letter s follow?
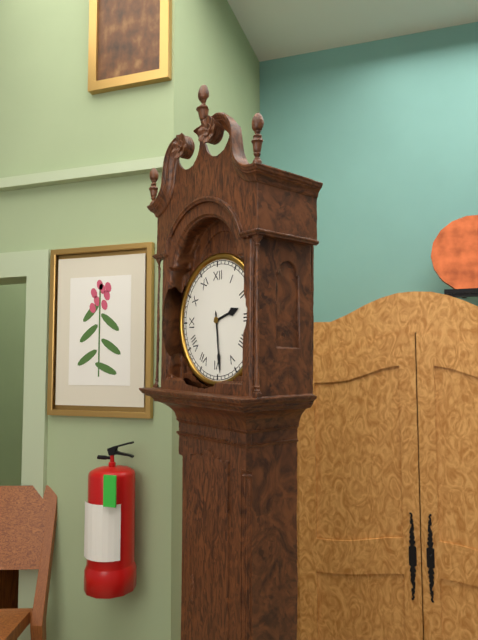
2h29
